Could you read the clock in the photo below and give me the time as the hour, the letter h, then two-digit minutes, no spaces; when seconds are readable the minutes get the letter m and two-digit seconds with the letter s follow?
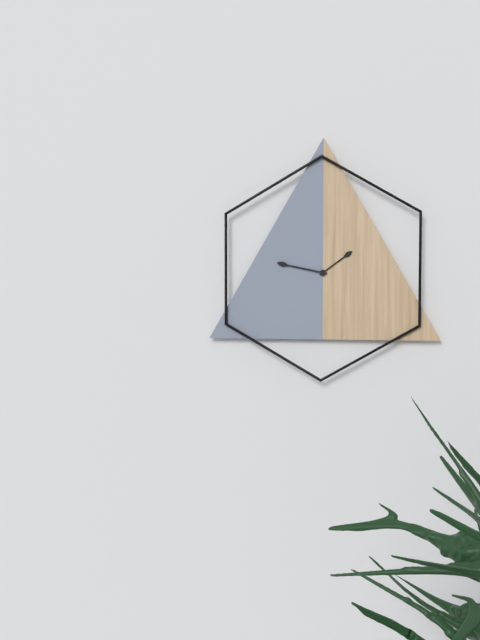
1h47
